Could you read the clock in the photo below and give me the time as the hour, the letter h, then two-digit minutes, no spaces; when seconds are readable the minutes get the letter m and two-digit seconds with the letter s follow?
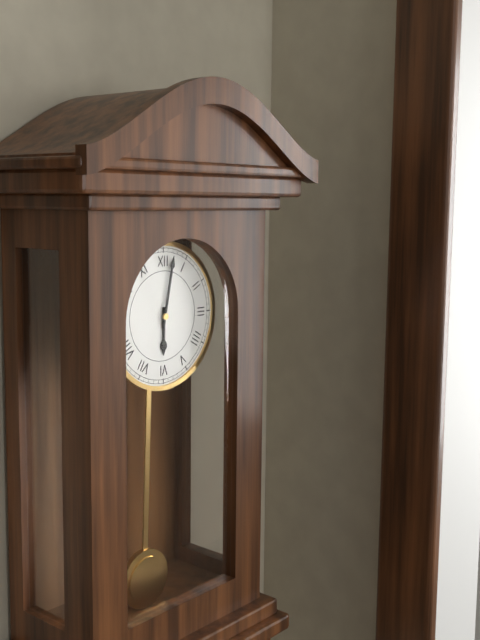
6h02
